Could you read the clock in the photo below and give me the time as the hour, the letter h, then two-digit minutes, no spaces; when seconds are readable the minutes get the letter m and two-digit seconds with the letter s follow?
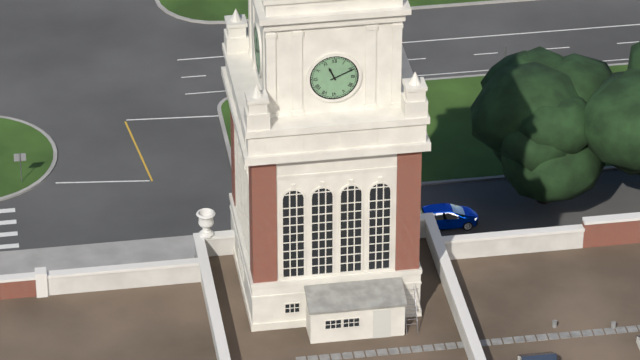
11h11
